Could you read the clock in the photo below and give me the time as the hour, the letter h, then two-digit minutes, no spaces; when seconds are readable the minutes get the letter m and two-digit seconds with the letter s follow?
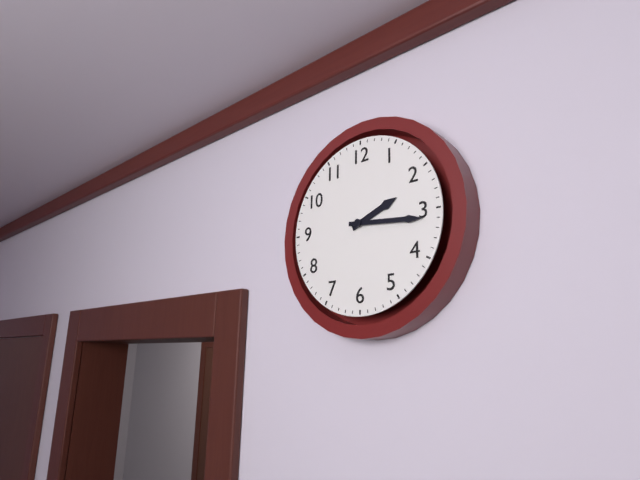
2h16
